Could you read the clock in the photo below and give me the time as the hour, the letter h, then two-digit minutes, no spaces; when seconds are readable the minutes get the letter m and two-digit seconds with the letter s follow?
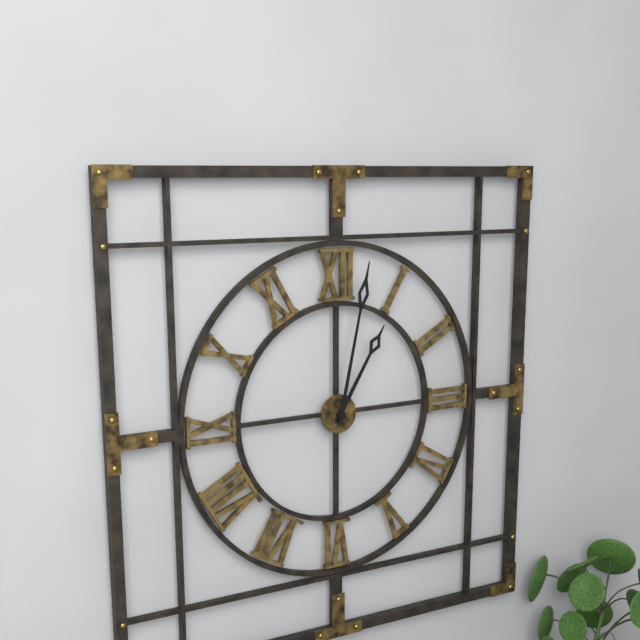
1h02
